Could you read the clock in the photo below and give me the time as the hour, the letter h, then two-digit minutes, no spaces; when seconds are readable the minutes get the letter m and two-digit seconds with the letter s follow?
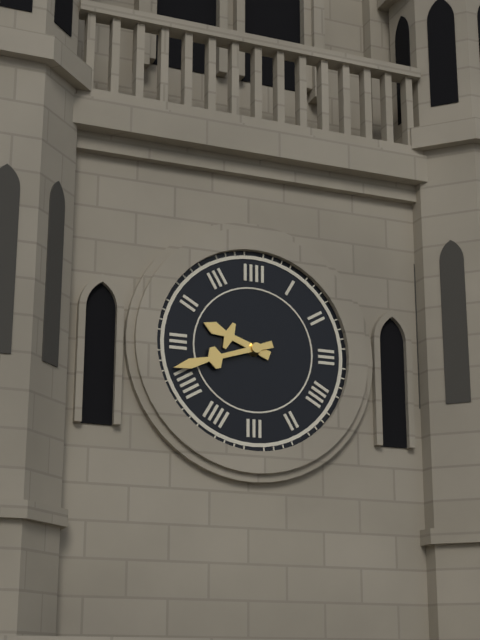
9h42
